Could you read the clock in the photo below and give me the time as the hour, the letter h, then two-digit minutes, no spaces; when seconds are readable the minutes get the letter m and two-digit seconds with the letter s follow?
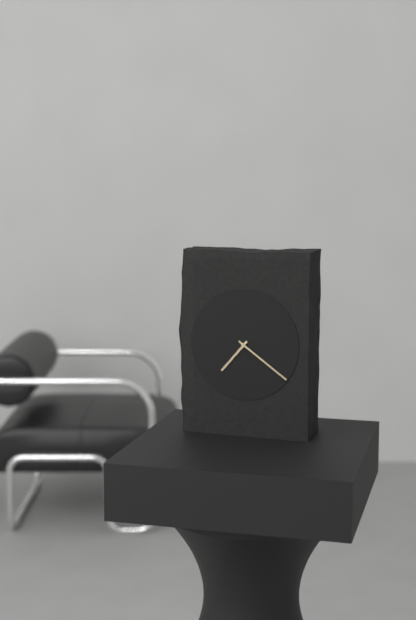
7h21
